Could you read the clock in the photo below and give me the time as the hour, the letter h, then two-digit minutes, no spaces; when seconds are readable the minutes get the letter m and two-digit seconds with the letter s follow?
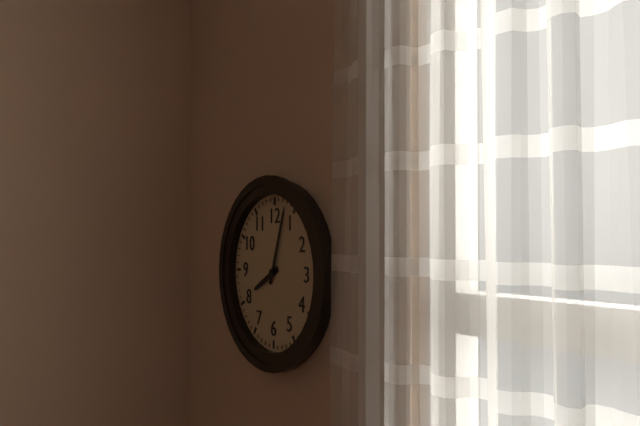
8h03
